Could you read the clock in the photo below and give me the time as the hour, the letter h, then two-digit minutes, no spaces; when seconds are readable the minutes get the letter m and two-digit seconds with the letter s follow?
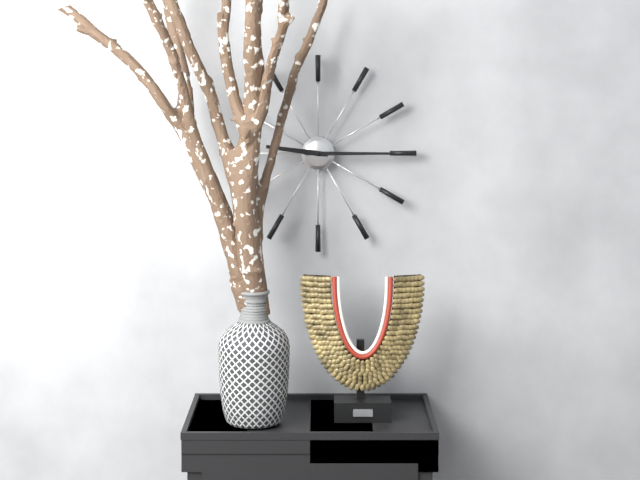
9h15
